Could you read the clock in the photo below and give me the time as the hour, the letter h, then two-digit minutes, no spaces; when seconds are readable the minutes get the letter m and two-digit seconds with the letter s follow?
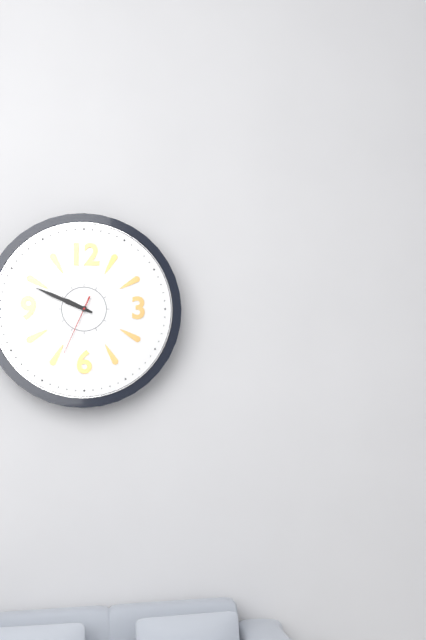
9h49m34s
